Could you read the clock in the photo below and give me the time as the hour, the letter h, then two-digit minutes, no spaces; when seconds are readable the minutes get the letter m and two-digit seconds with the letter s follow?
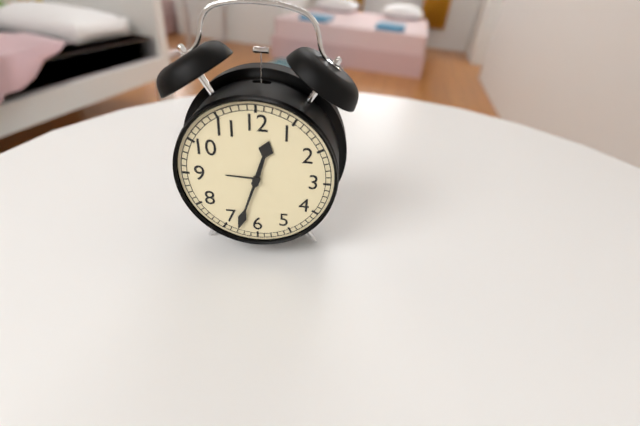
12h33
